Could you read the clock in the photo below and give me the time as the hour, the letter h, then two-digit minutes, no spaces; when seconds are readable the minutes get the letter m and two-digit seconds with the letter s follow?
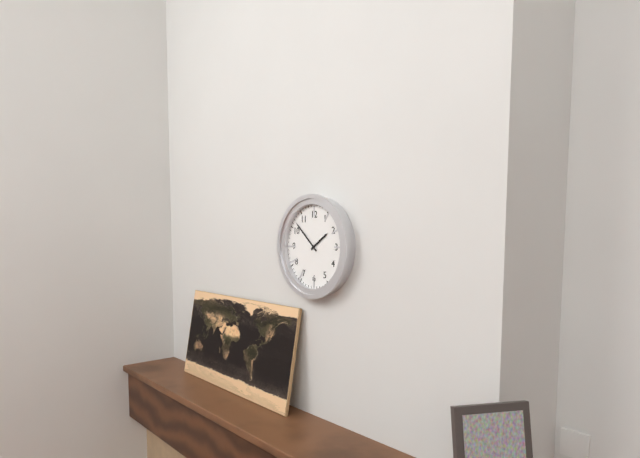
1h52
